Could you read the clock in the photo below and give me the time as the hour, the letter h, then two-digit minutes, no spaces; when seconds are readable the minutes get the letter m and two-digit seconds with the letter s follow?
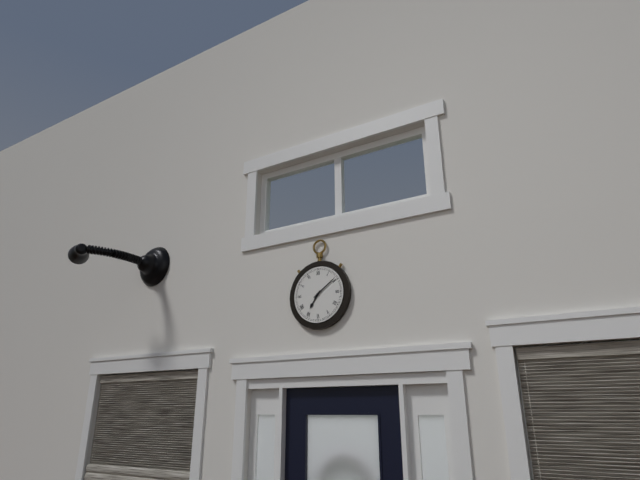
7h09
